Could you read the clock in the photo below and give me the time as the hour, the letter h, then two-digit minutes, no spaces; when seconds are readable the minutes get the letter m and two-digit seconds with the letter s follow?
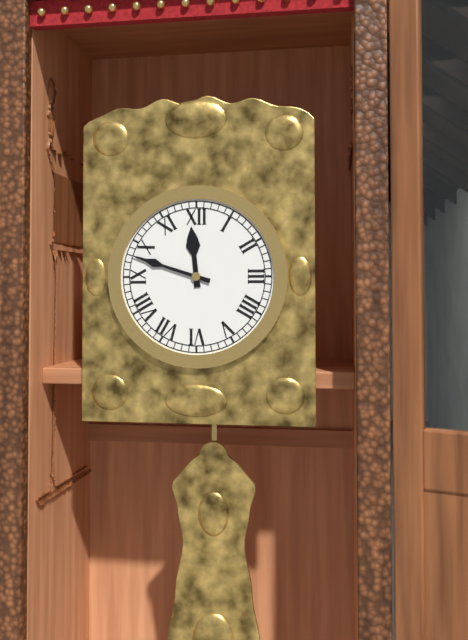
11h48
